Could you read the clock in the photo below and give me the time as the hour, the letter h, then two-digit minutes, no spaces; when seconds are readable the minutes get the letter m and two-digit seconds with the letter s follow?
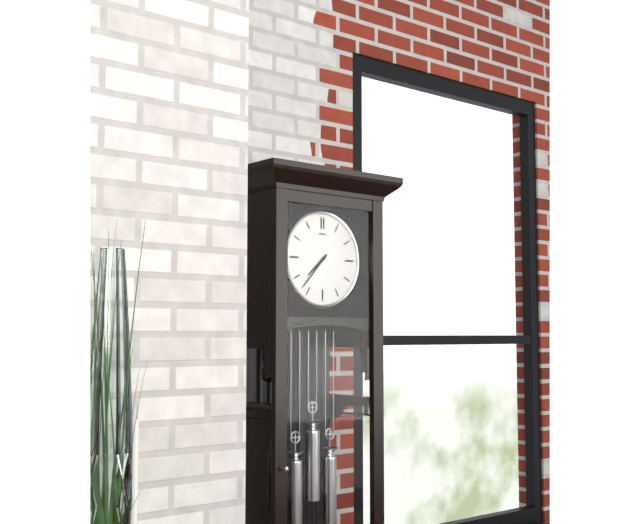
7h37
